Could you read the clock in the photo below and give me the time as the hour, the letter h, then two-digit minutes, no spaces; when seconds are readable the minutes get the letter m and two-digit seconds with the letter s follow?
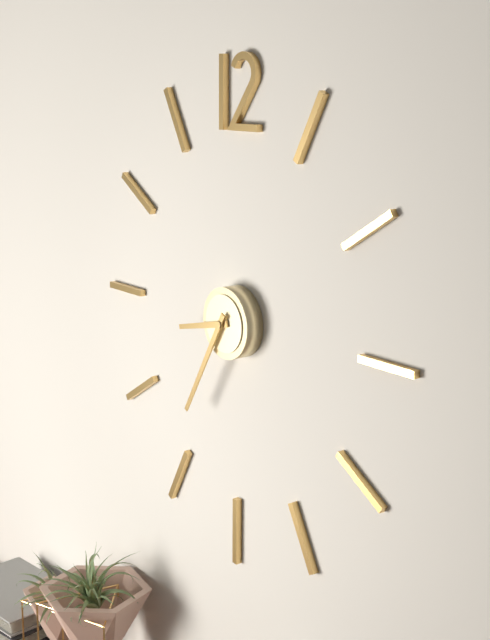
8h35
